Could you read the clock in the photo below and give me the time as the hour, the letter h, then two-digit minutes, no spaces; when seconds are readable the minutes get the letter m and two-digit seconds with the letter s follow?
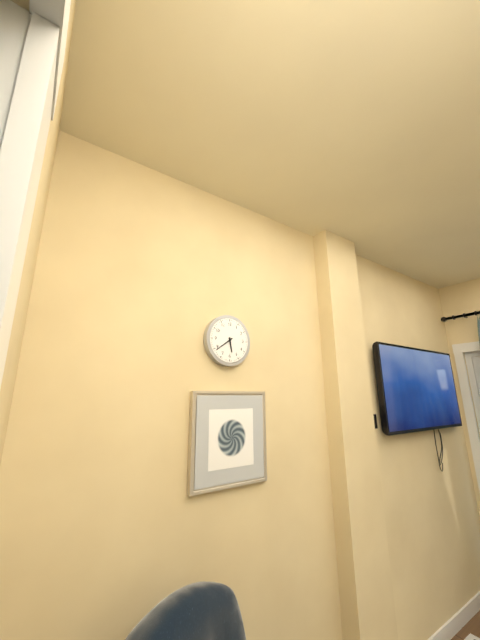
5h39
